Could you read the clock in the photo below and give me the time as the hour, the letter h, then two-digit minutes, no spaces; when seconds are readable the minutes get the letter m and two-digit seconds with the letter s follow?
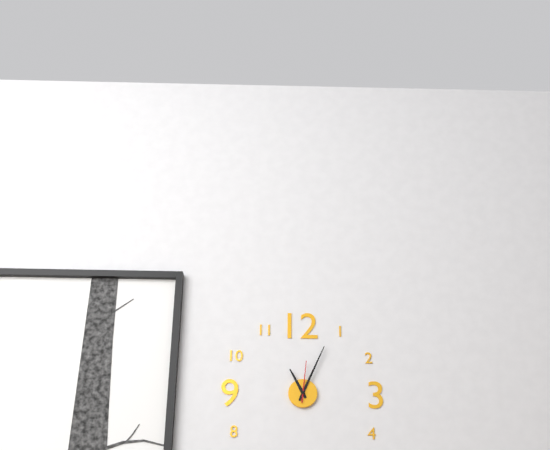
11h04
